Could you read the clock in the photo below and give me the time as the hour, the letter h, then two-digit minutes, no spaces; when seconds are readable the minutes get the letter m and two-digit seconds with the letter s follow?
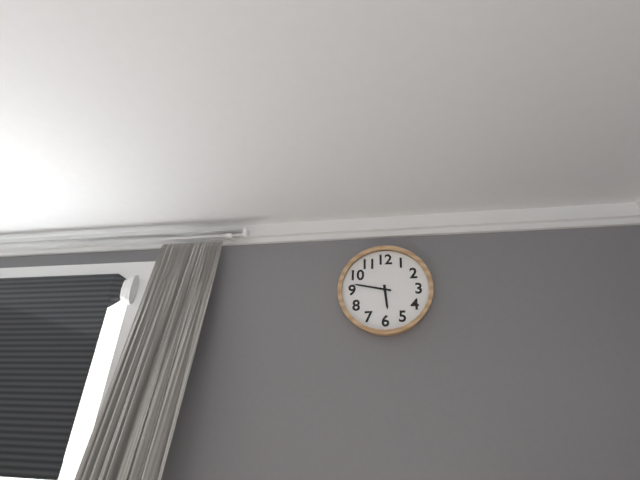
5h47
